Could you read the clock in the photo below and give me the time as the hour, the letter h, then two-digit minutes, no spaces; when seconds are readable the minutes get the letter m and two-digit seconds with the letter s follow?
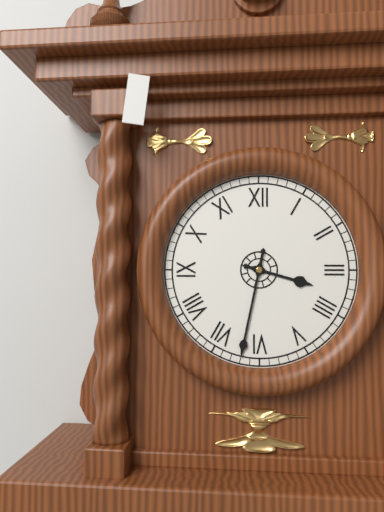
3h32
